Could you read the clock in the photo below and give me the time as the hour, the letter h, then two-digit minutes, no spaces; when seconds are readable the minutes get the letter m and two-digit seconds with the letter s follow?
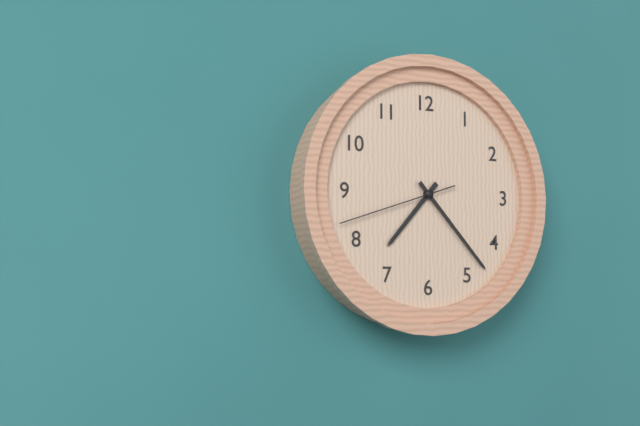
7h23m42s
